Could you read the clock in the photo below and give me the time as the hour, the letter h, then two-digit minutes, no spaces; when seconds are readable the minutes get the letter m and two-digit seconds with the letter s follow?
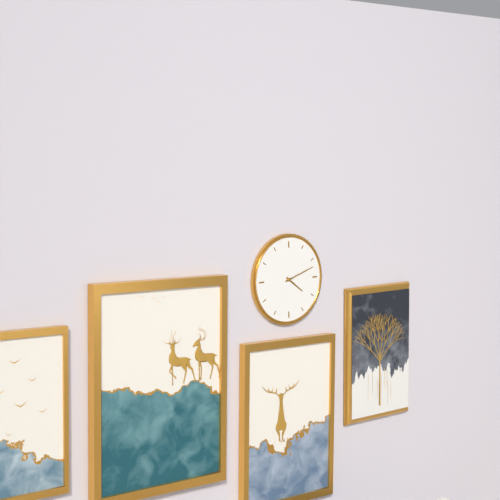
4h12
